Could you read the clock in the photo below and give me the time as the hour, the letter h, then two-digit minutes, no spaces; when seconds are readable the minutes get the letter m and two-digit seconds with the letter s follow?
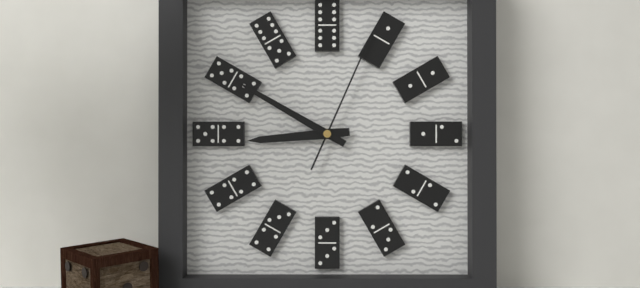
8h50m04s
